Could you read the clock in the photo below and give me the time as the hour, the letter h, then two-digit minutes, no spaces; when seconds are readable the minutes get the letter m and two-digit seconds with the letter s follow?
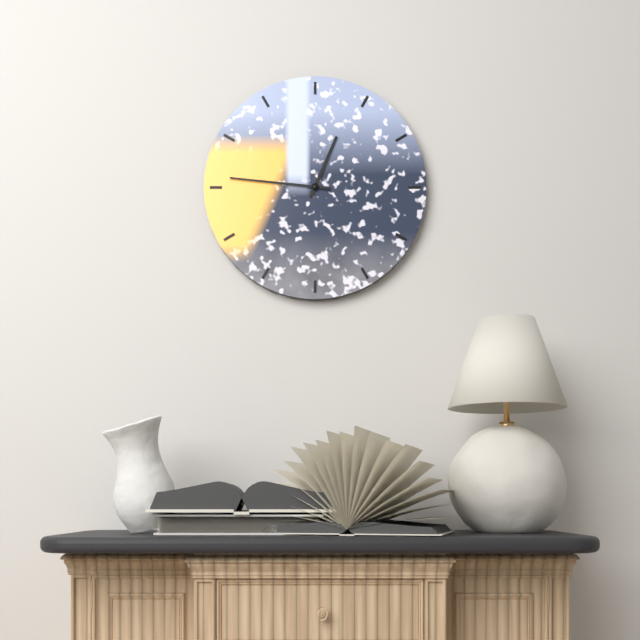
12h46
